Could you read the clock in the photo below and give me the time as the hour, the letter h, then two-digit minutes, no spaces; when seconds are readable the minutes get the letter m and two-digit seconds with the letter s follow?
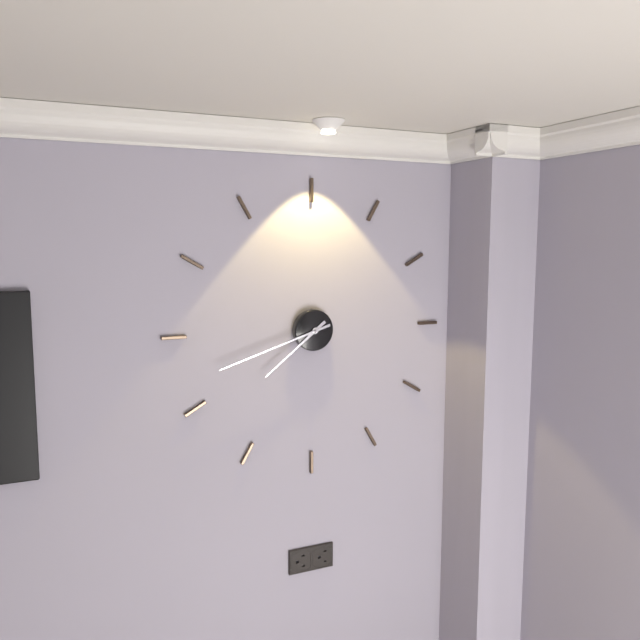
7h42
